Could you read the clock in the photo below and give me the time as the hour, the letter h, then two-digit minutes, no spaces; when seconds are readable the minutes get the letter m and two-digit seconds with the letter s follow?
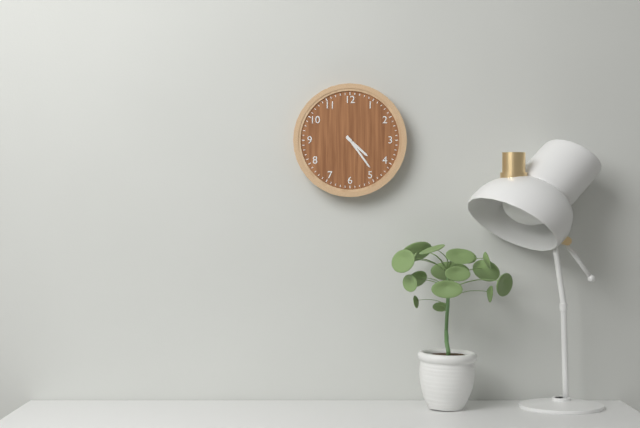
4h24
